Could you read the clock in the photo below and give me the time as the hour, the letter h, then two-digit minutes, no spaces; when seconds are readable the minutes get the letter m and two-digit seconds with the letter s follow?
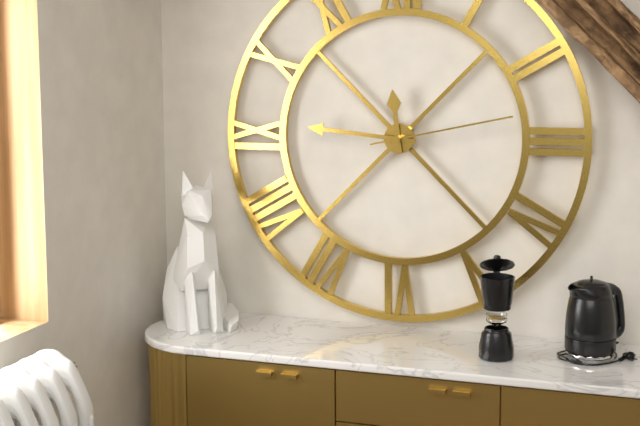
11h46m13s
